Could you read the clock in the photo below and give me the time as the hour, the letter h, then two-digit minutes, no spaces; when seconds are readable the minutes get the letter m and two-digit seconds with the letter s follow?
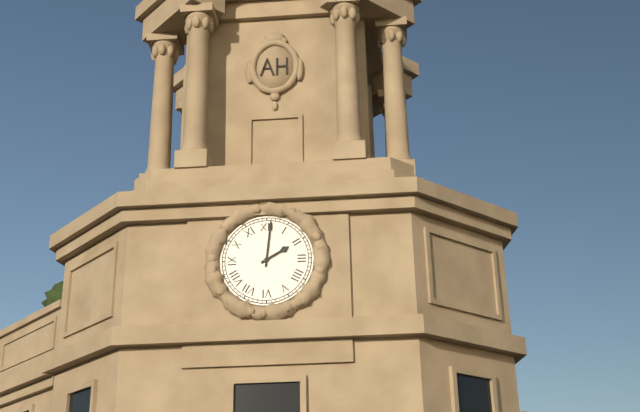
2h01
